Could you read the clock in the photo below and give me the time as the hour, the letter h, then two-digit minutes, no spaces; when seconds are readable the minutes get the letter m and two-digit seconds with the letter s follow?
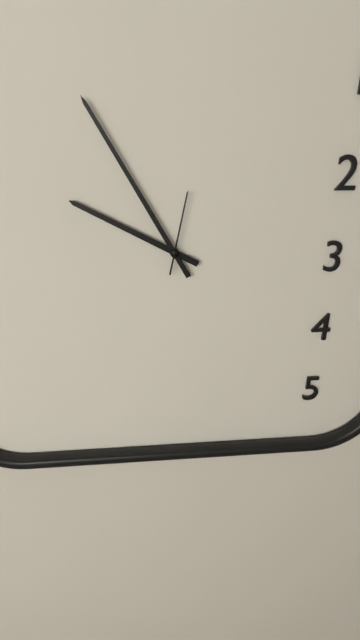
9h55m02s
